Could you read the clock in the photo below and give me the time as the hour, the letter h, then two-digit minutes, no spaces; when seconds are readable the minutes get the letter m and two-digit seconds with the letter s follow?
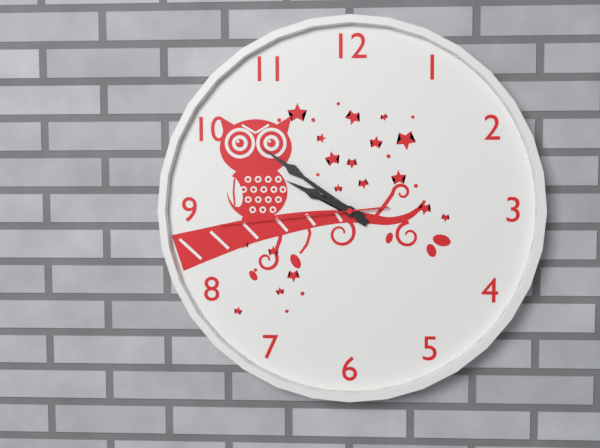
9h51m44s
